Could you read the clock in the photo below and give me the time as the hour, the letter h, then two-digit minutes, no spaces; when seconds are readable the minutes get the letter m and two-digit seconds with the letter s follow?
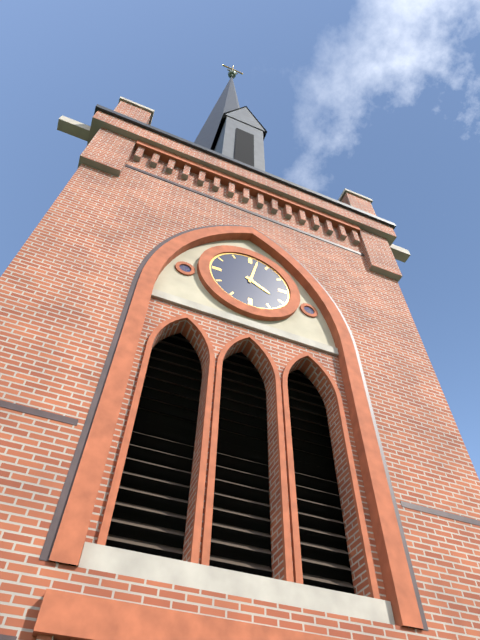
4h02
